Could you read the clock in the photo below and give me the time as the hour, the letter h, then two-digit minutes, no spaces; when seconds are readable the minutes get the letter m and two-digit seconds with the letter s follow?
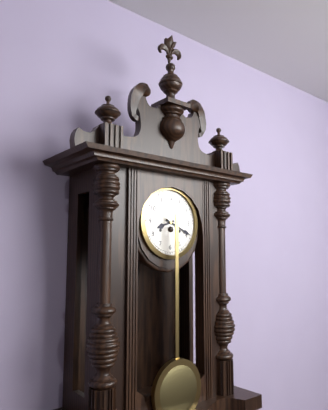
8h19
